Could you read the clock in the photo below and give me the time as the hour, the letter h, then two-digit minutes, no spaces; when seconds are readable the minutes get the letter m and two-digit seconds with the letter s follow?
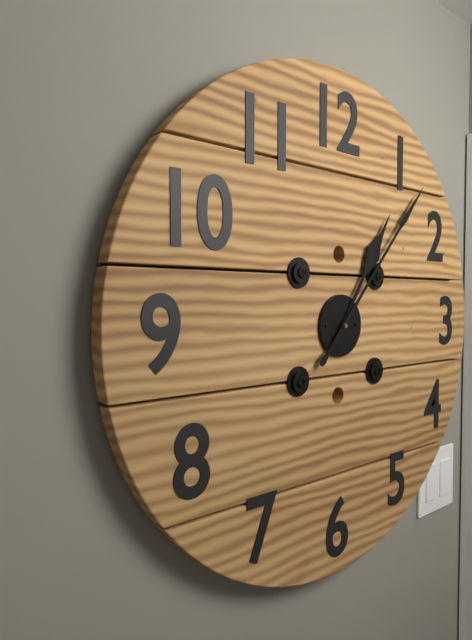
1h07
